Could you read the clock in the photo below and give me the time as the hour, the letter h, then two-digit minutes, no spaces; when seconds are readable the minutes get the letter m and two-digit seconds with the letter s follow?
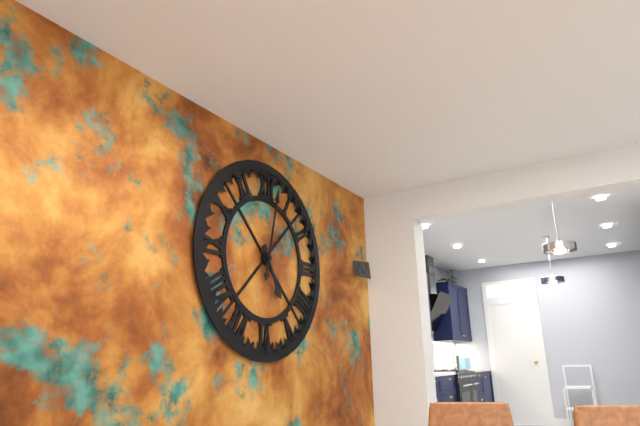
5h02
